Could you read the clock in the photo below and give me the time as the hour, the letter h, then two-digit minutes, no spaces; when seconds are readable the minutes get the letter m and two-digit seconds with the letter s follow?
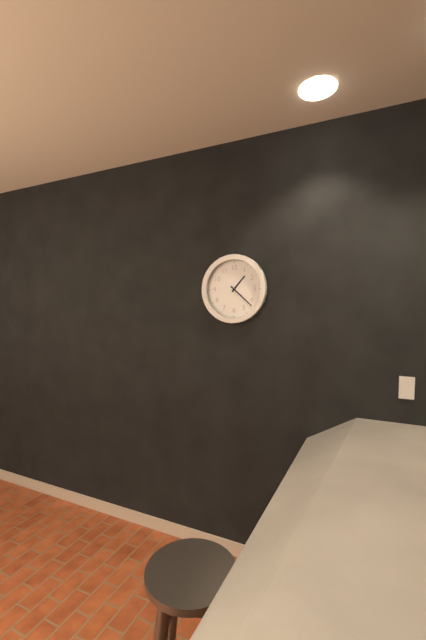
1h22
